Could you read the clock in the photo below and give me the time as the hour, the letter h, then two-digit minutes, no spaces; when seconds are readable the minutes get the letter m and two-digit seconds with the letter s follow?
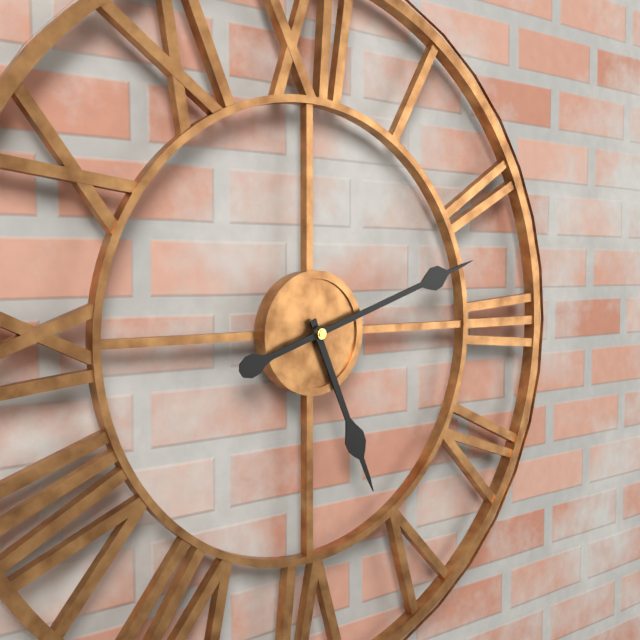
5h12
